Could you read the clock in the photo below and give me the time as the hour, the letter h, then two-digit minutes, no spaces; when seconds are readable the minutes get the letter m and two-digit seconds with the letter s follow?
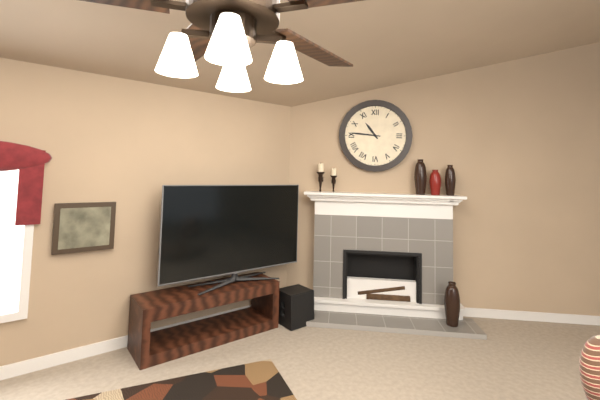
10h46
